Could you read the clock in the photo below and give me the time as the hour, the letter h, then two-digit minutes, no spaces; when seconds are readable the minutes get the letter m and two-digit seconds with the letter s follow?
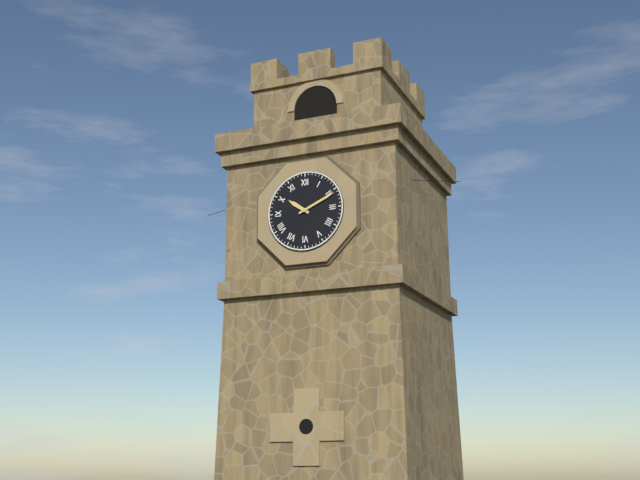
10h11
